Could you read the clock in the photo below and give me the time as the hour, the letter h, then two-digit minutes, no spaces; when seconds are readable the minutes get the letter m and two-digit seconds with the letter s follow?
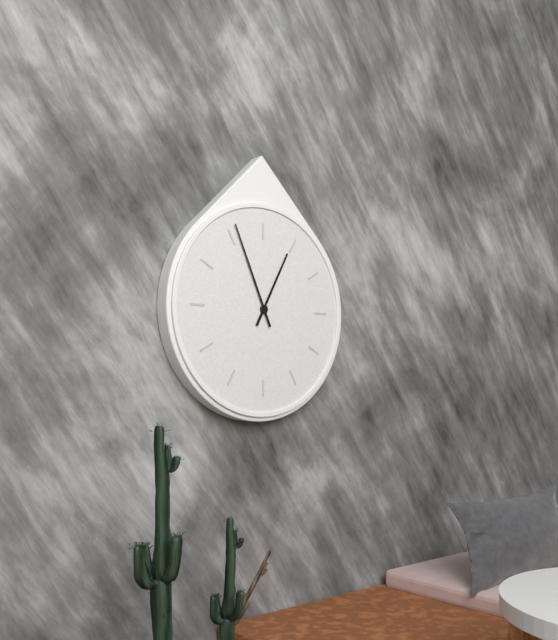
12h56
